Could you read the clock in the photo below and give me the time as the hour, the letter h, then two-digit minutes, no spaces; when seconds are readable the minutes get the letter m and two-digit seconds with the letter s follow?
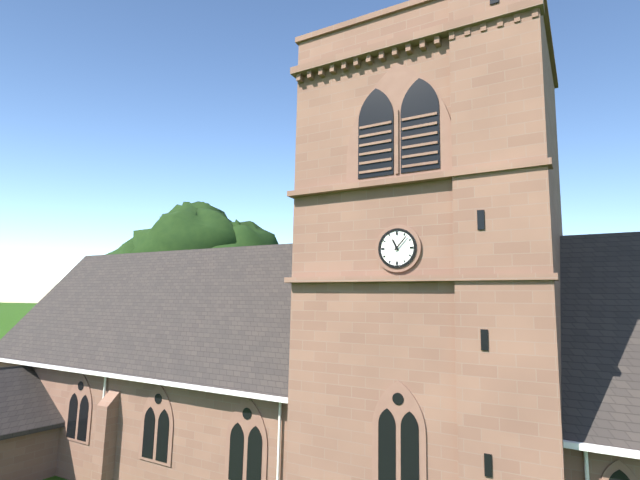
11h07
